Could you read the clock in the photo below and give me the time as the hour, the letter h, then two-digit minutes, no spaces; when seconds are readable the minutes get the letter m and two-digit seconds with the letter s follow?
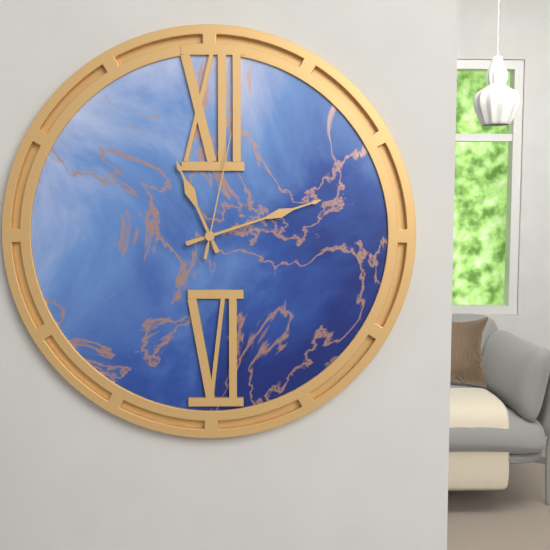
11h12m02s
